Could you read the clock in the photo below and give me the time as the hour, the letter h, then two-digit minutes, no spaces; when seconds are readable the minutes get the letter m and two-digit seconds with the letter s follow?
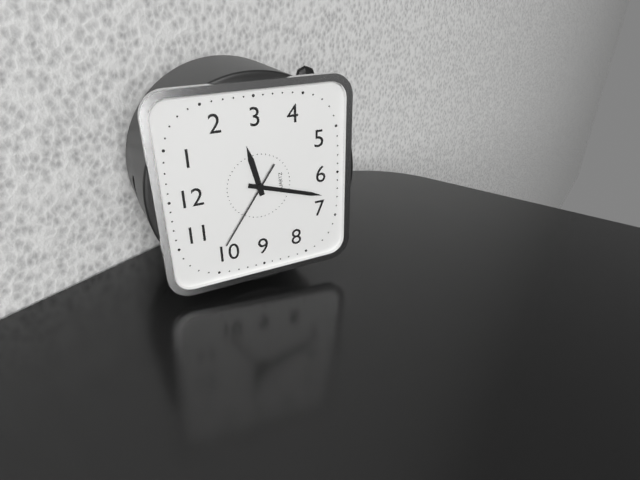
2h33m51s
